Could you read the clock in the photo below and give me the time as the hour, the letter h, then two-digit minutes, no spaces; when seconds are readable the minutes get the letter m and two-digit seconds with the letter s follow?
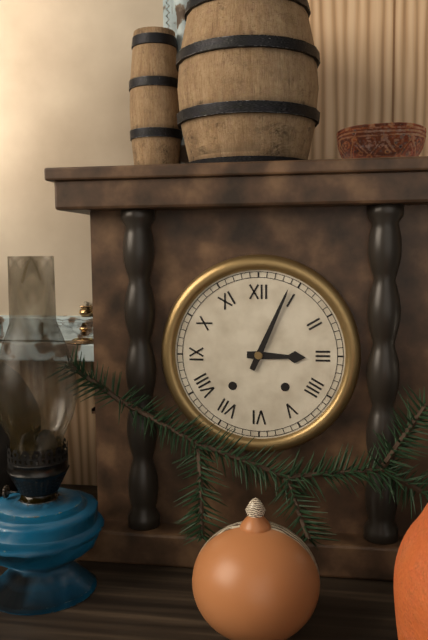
3h04
